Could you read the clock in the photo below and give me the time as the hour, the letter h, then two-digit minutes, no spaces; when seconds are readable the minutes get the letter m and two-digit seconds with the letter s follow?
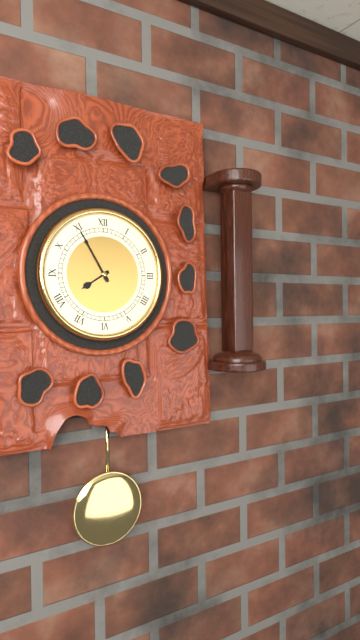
7h55
